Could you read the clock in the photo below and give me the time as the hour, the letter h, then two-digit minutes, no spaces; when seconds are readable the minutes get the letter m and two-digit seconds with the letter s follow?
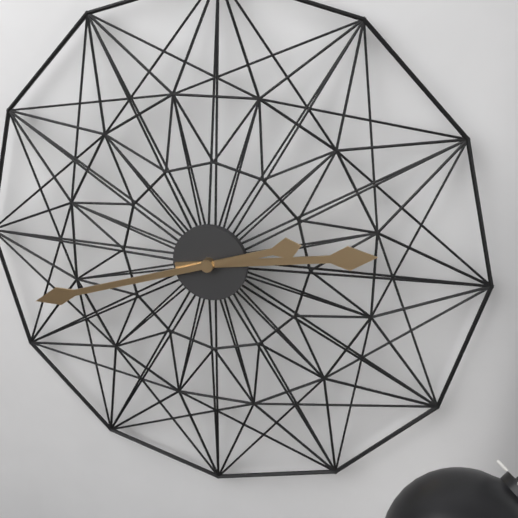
2h42
